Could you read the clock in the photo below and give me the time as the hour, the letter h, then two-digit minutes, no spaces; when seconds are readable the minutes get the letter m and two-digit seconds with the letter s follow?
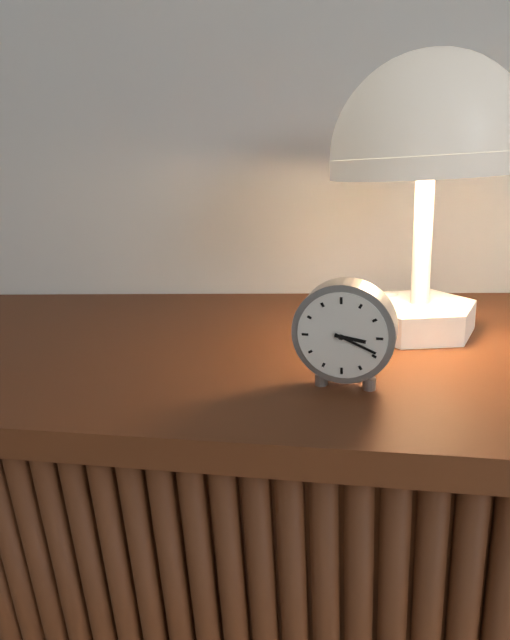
3h19
